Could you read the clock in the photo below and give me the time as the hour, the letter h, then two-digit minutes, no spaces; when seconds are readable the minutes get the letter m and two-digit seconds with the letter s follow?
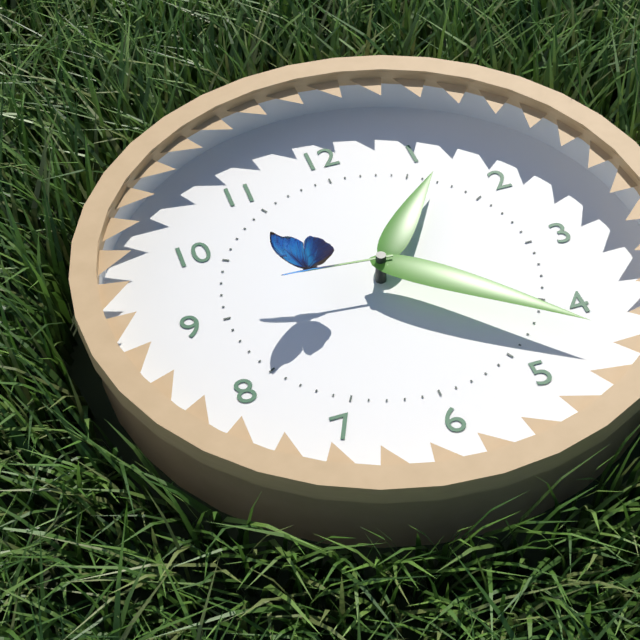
1h22m46s
